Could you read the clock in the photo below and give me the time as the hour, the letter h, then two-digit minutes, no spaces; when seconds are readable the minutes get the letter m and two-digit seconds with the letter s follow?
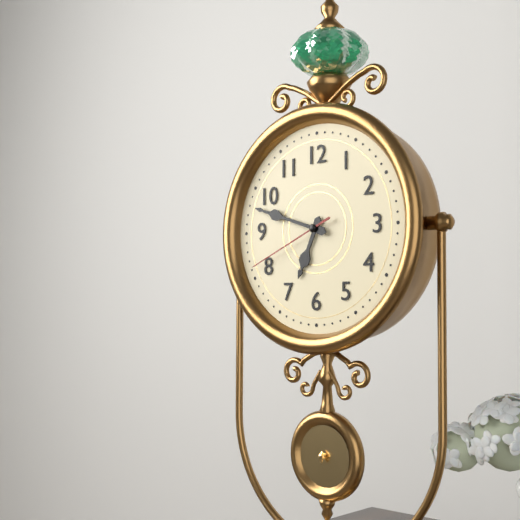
6h48m41s
